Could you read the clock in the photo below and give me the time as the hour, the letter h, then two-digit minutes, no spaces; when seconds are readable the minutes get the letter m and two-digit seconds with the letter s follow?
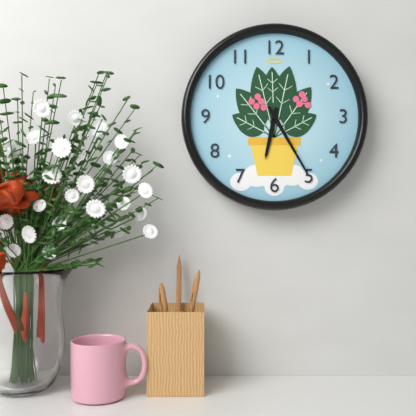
6h25
